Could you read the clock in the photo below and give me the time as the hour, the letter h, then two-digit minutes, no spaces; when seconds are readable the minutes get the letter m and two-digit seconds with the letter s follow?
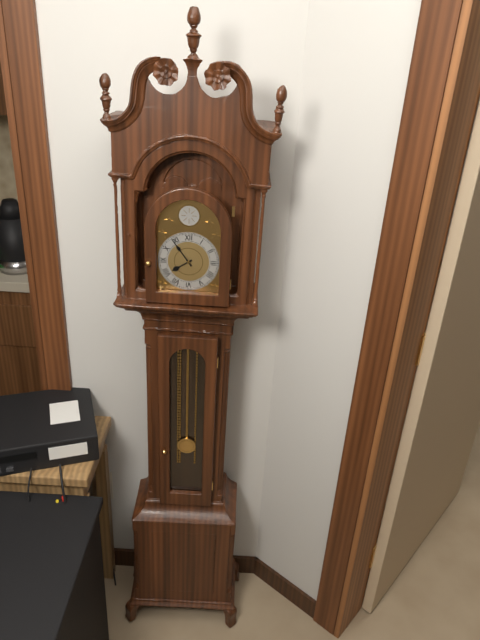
7h54
